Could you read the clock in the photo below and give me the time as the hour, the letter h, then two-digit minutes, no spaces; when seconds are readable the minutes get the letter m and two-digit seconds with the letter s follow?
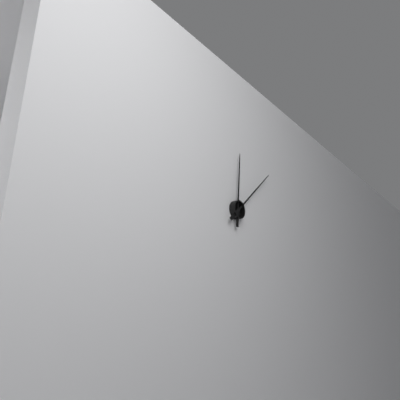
12h08
